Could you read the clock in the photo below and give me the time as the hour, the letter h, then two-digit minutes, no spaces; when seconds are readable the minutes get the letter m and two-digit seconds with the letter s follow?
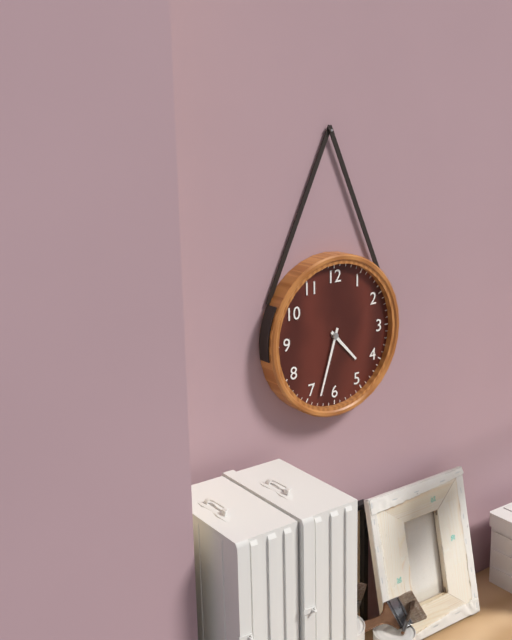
4h33
